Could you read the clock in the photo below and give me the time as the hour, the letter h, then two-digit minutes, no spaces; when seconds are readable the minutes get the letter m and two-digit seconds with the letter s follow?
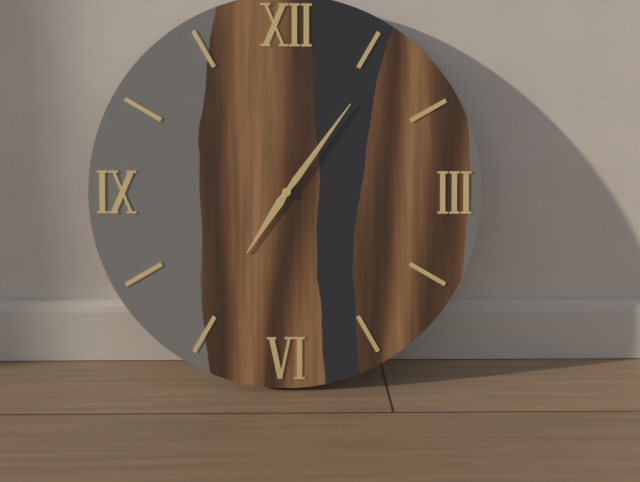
7h06
